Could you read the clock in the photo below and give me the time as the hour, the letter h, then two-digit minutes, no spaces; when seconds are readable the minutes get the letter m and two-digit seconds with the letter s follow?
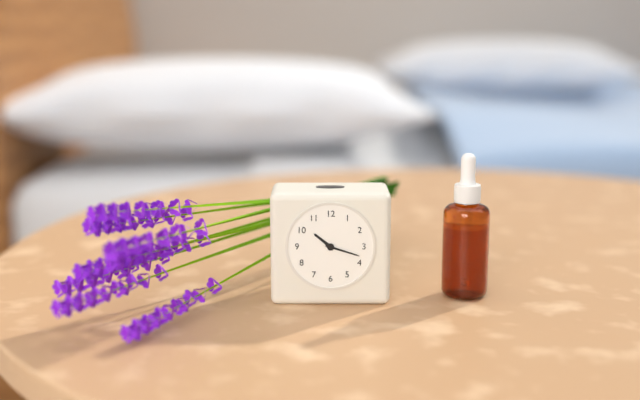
10h18
